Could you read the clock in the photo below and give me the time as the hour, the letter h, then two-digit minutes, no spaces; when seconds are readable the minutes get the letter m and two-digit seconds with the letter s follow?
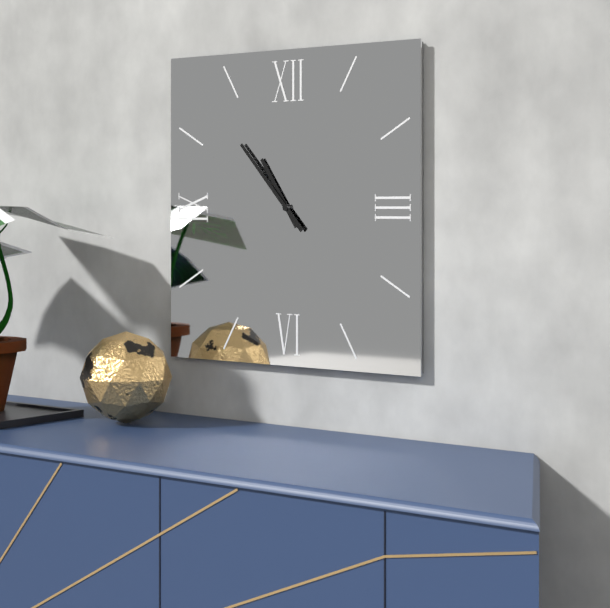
10h53
